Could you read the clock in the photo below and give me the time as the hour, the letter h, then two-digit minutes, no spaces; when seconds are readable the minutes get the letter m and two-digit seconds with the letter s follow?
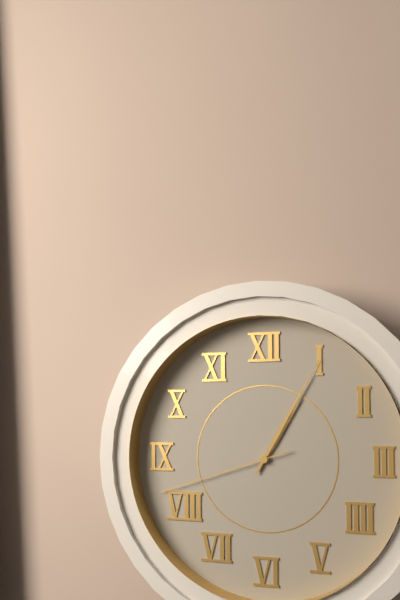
1h05m42s
